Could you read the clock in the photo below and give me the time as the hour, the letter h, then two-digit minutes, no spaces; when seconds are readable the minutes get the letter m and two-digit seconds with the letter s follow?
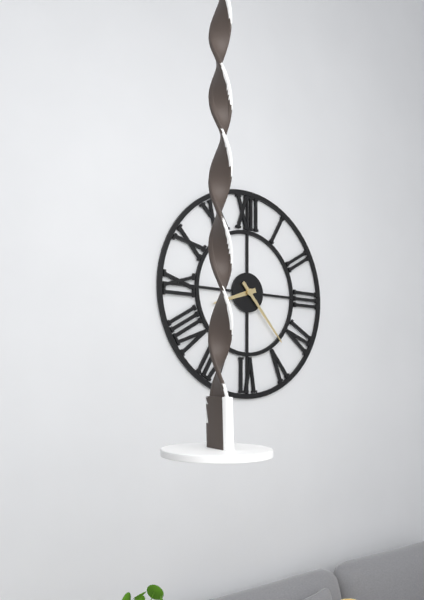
8h23
